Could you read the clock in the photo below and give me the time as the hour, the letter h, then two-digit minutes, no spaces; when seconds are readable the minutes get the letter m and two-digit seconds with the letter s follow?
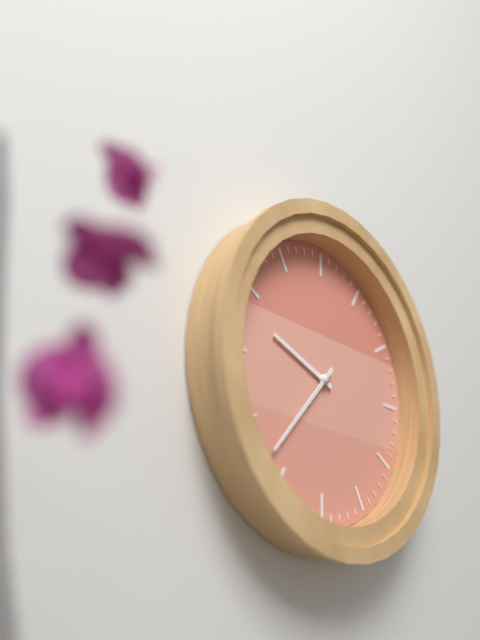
9h37
